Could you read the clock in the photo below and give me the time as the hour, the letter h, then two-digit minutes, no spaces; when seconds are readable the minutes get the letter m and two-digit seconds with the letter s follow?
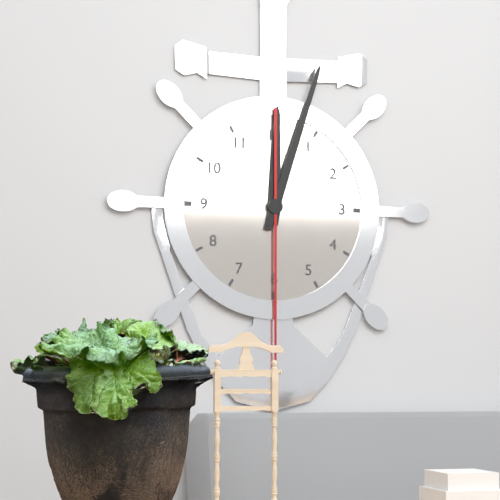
12h03
